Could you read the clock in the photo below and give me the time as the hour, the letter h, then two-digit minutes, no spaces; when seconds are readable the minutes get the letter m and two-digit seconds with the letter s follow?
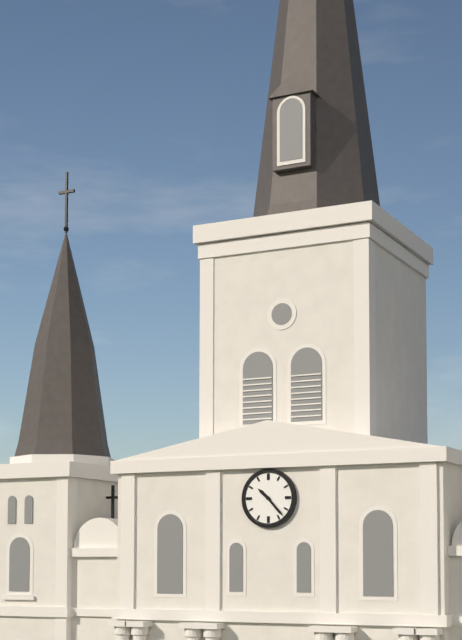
10h23
